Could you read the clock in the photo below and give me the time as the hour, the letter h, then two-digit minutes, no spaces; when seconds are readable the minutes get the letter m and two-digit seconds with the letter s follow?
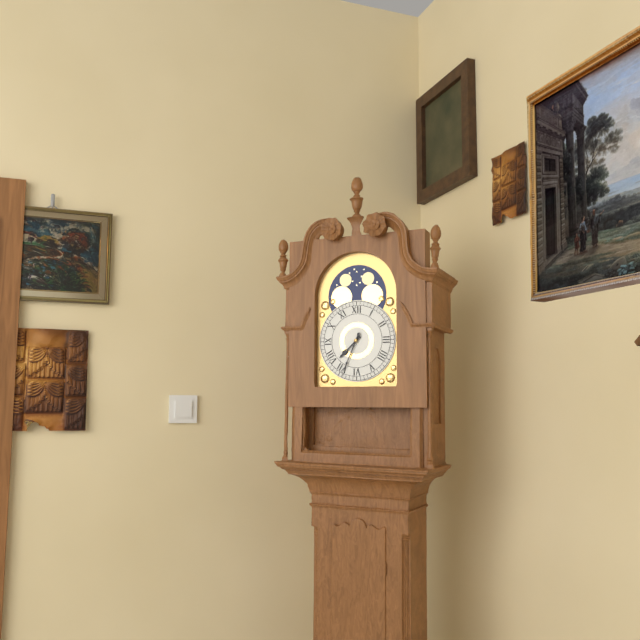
7h34
